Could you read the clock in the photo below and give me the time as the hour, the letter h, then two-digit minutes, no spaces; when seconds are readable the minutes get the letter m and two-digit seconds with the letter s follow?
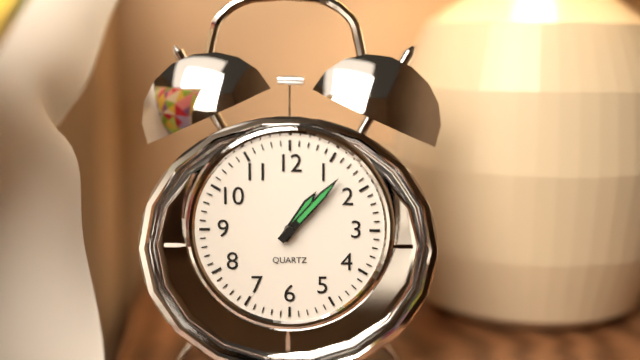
1h07
